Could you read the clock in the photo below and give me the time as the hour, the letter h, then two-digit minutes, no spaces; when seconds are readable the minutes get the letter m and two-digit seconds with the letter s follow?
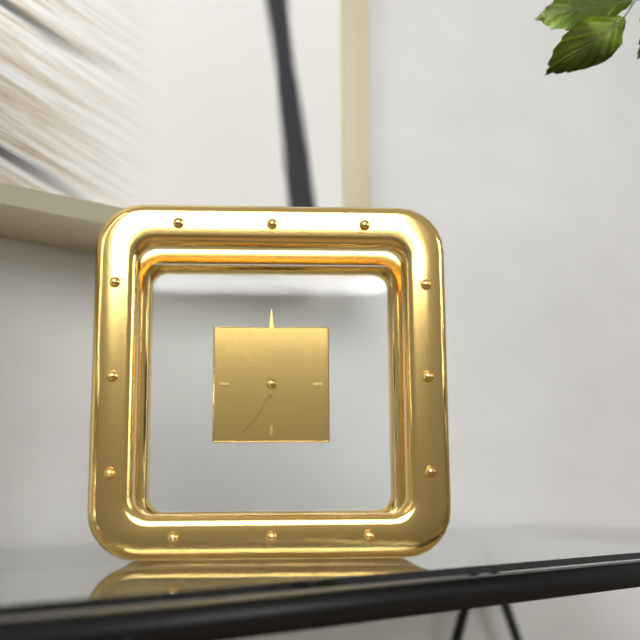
7h00
